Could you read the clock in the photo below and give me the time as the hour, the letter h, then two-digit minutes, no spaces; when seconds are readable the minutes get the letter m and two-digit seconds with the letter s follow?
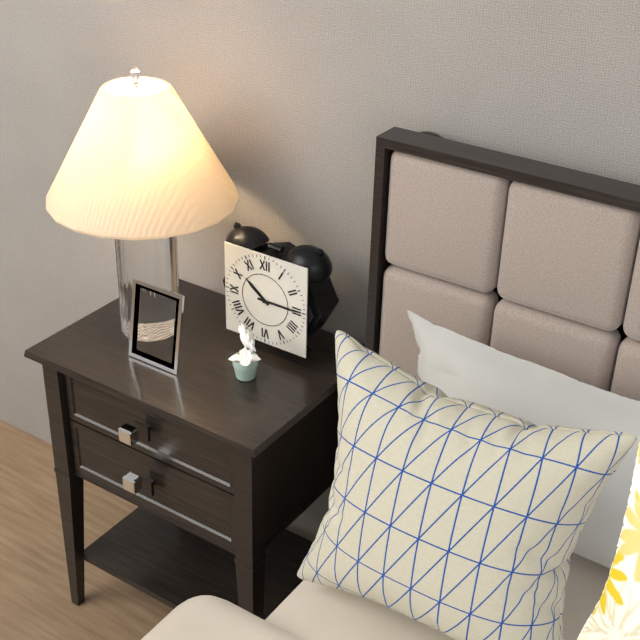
10h15
